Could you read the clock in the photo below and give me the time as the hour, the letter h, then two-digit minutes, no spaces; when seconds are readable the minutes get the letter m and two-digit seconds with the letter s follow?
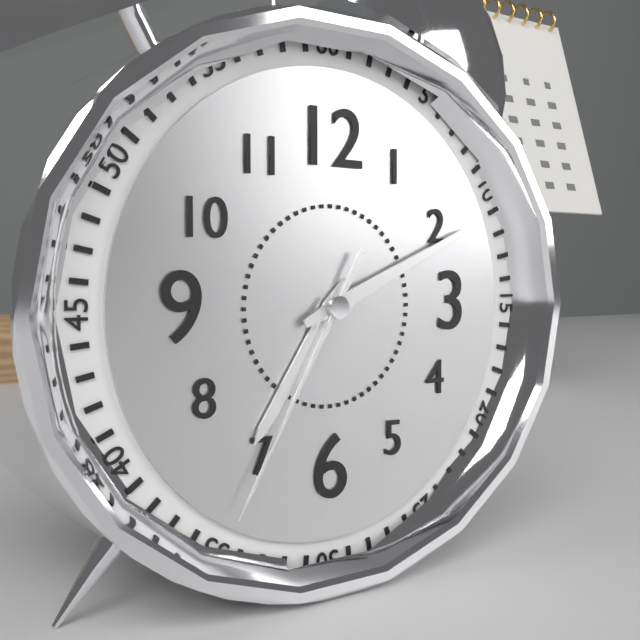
7h11m35s
